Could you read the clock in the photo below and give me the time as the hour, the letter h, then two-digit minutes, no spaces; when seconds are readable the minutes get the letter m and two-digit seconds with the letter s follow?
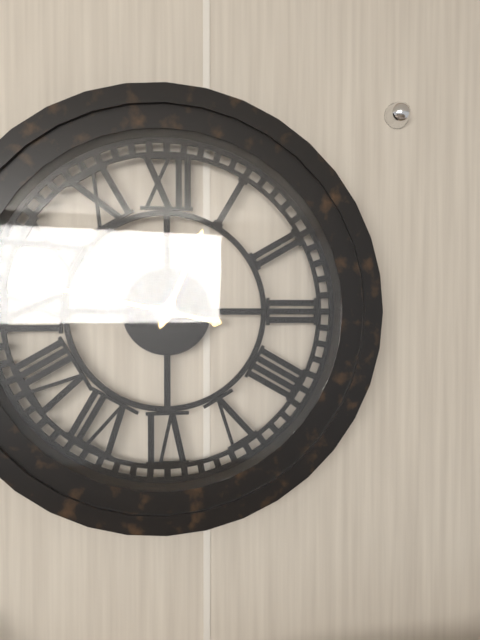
12h47
